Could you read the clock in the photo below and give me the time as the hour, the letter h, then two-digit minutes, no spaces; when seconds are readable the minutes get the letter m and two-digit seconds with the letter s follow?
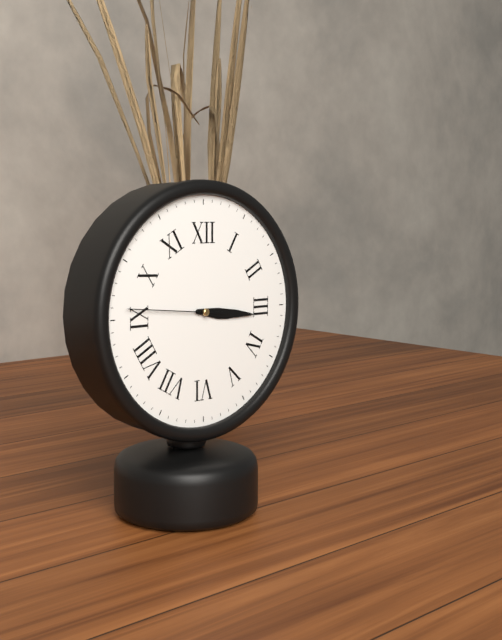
3h16m46s
